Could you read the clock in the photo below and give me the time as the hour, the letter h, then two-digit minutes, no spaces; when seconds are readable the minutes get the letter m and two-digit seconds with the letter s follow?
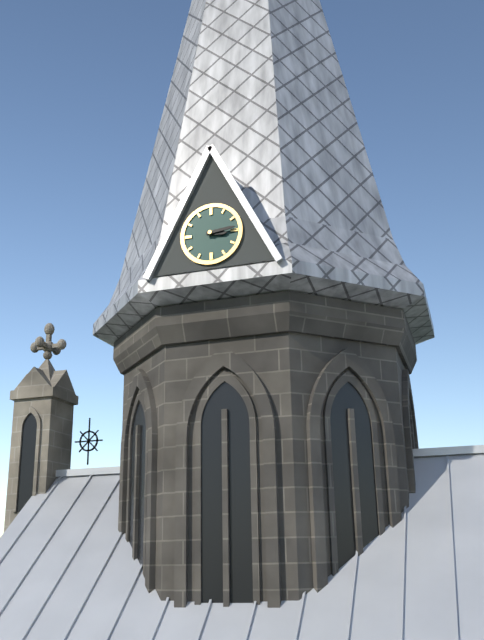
3h14
